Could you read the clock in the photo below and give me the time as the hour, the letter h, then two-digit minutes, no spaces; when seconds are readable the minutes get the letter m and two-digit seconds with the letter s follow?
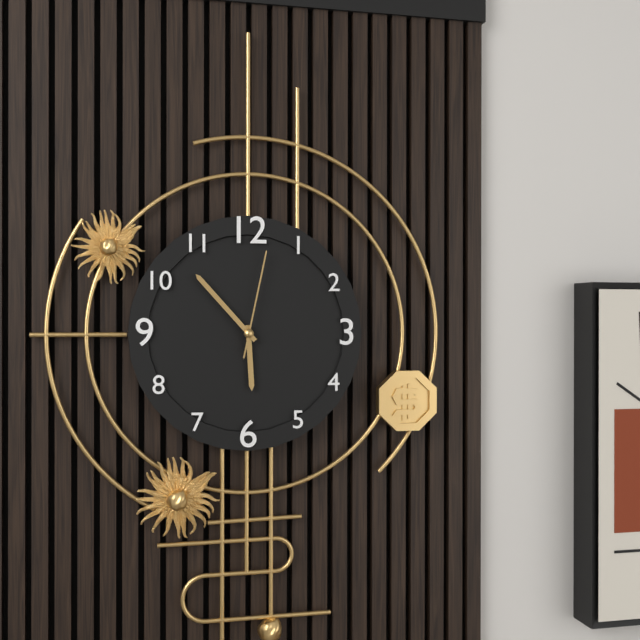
5h53m02s
